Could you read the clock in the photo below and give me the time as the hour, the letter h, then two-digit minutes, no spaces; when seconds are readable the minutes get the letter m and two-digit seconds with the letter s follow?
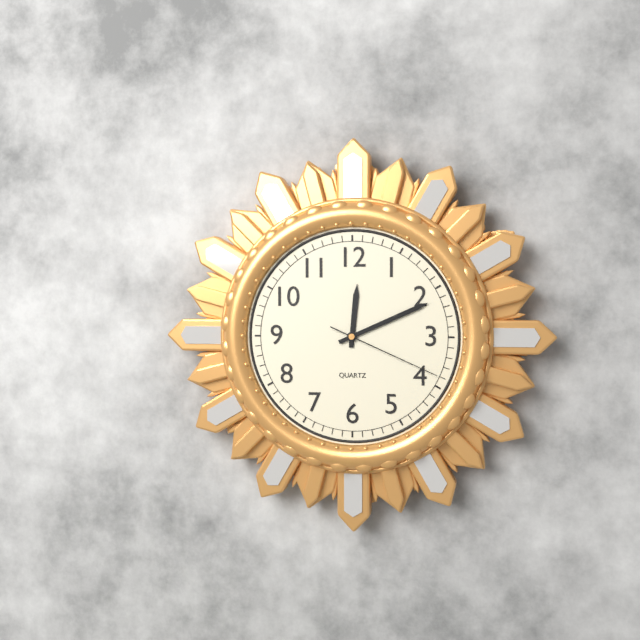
12h11m19s
